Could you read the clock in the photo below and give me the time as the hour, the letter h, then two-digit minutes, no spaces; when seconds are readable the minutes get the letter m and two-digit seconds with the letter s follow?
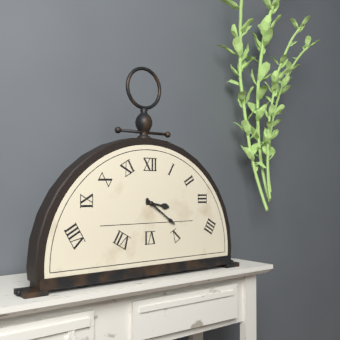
3h21
